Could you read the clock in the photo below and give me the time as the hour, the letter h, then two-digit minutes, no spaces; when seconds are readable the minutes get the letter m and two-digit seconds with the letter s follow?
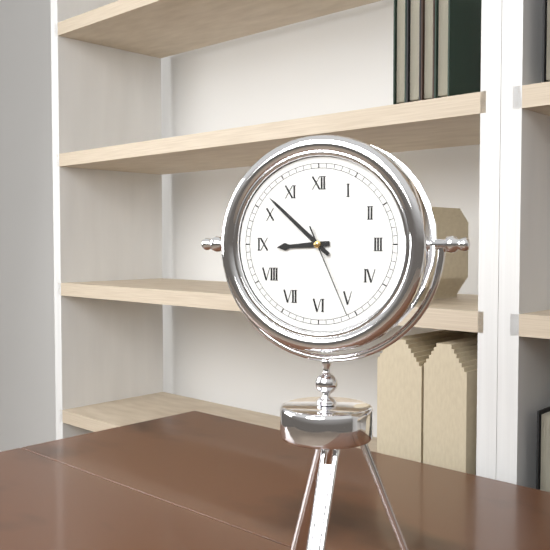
8h52m26s
